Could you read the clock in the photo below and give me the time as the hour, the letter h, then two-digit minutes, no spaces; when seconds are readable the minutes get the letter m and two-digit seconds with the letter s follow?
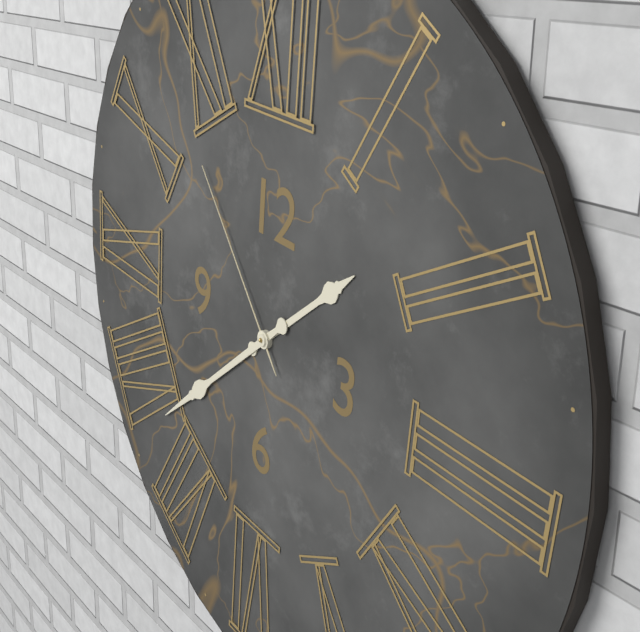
1h38m53s
